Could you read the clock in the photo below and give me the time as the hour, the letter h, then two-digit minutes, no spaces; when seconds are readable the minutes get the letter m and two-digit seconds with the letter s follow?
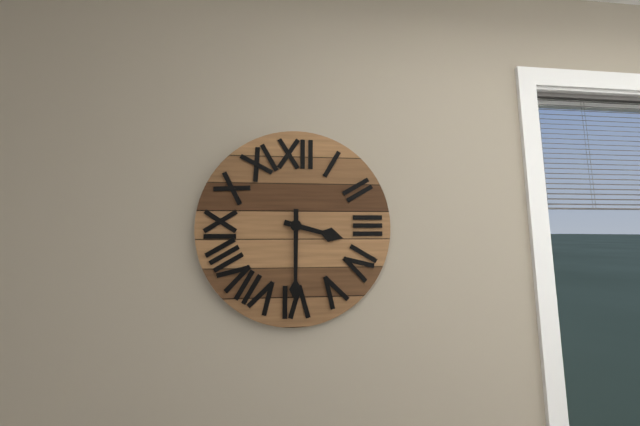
3h30
